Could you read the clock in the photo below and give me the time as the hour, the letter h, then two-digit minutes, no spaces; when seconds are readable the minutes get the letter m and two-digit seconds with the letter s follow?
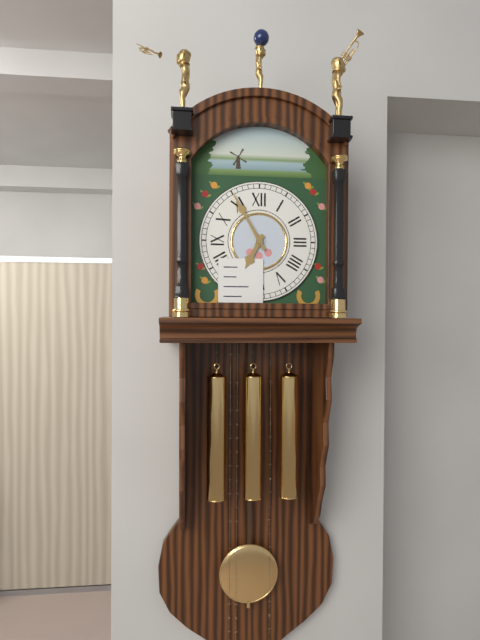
6h55
